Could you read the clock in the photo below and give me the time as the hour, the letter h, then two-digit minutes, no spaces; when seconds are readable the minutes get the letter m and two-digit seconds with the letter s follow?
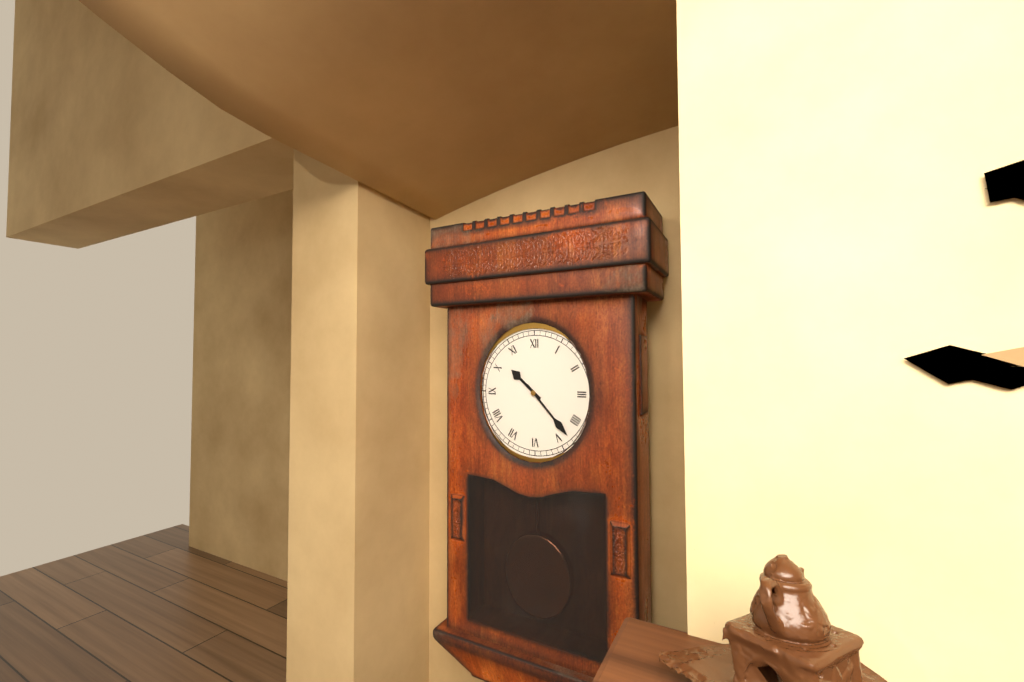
10h23
